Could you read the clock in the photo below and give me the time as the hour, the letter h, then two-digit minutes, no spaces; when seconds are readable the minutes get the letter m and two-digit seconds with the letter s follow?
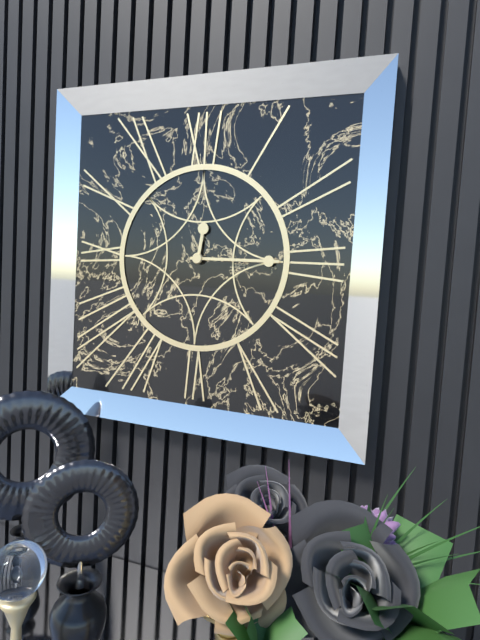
12h15
